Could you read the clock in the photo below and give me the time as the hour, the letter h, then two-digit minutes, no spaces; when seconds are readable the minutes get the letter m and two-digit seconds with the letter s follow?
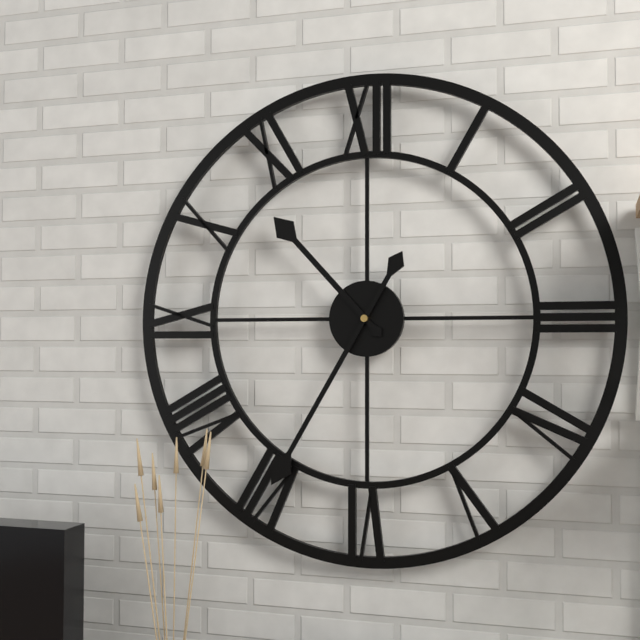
10h35
